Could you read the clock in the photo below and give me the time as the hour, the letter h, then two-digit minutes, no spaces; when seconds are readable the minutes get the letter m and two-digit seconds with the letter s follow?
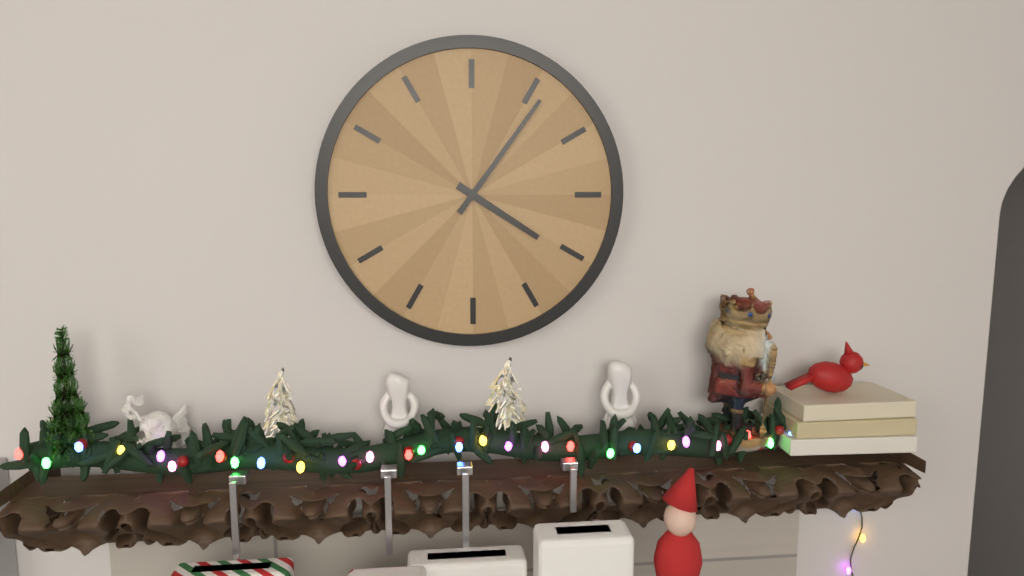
4h06
